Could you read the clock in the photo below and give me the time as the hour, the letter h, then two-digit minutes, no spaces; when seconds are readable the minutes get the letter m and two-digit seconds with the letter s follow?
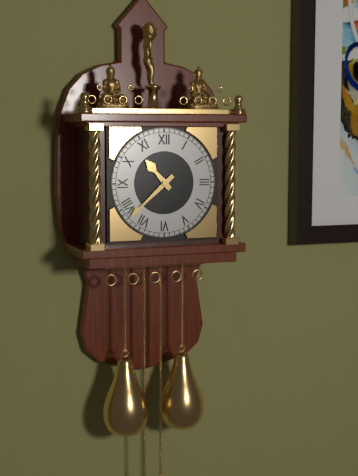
10h38
